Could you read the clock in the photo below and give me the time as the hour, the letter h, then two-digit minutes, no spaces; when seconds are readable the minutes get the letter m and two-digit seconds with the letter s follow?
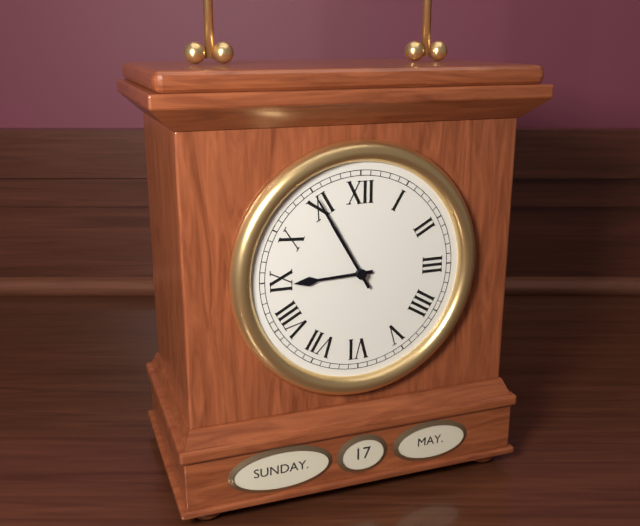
8h55
